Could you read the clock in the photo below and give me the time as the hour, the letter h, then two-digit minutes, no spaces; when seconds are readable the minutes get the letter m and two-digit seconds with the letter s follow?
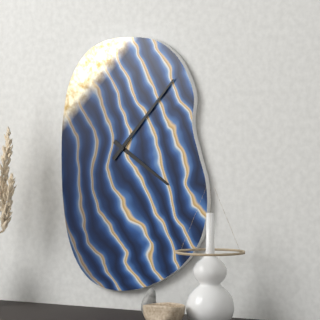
4h07
